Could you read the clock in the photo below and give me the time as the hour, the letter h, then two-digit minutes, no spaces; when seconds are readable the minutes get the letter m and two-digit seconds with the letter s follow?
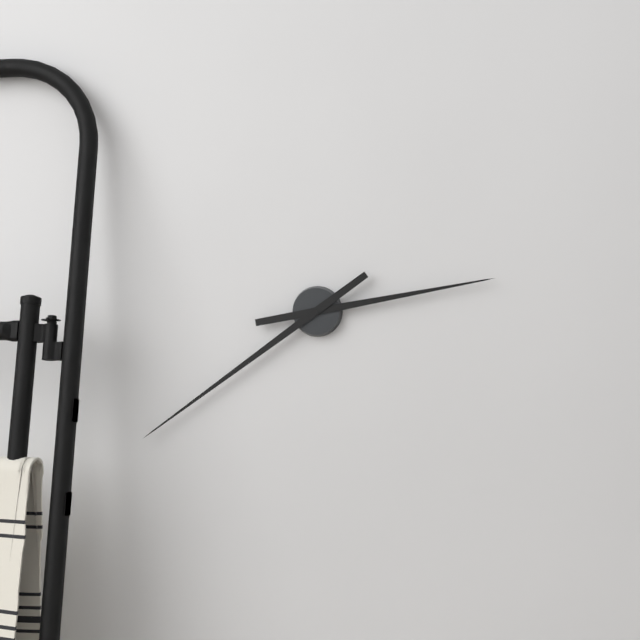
2h39
